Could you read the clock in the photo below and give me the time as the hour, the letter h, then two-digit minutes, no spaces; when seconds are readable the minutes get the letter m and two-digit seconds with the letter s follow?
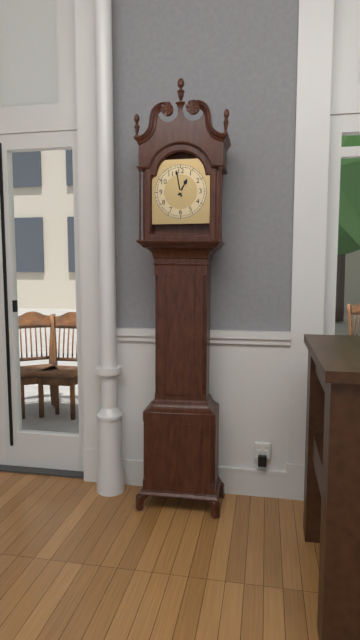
12h58
